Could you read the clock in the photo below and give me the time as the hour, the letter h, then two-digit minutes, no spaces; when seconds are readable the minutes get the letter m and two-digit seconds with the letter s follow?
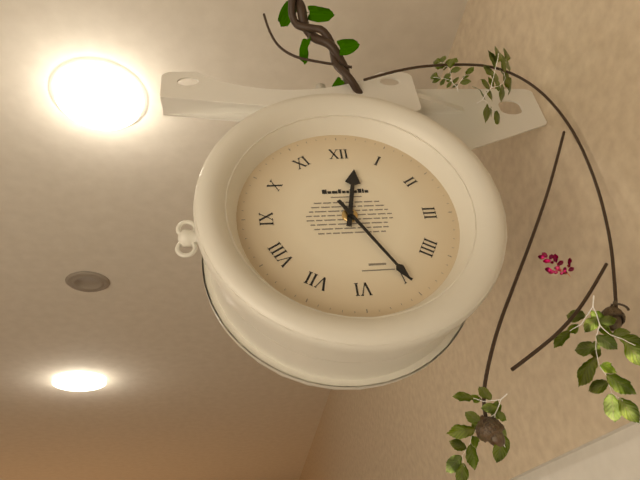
12h25
